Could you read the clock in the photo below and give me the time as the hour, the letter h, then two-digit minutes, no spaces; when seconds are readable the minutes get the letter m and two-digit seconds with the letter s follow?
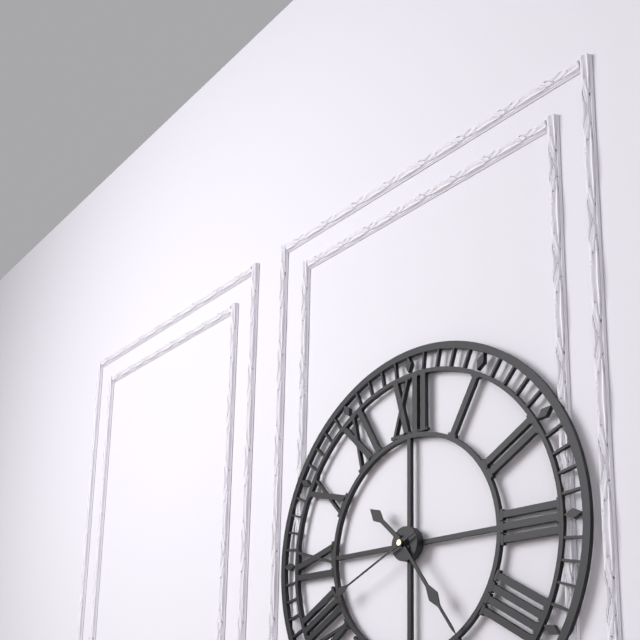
10h24m41s
